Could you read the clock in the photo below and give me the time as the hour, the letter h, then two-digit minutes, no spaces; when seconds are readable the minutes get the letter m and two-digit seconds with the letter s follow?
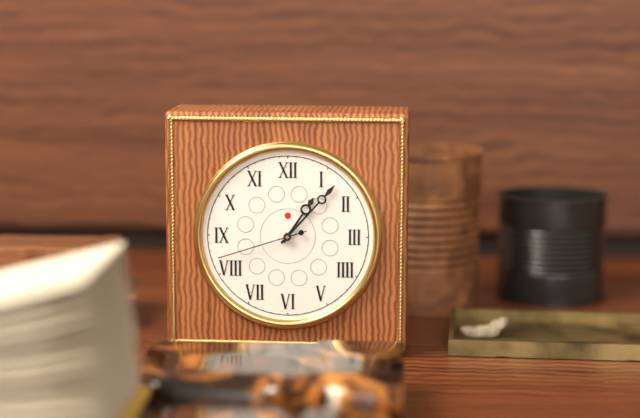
1h07m42s
